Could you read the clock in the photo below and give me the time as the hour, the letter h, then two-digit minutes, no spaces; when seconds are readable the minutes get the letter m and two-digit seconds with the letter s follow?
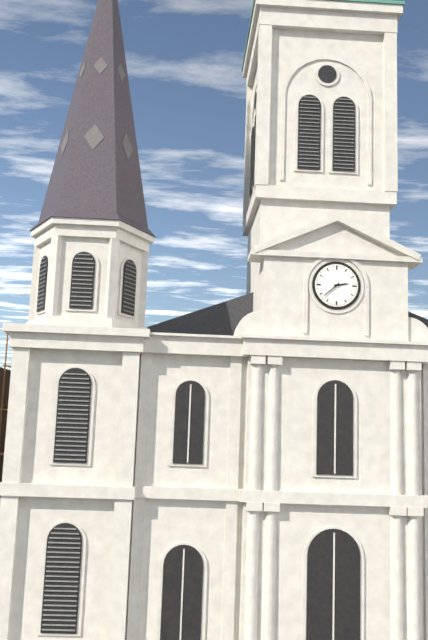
2h38
